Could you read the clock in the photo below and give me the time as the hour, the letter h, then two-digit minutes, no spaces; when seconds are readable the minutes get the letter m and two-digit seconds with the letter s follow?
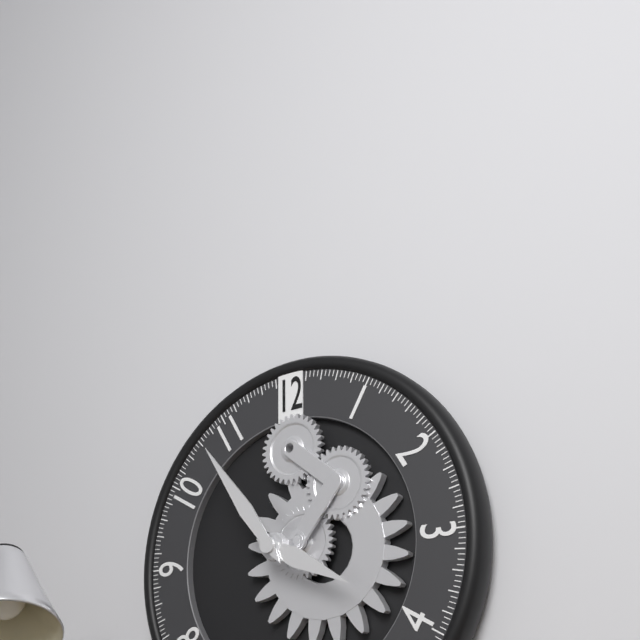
3h54
